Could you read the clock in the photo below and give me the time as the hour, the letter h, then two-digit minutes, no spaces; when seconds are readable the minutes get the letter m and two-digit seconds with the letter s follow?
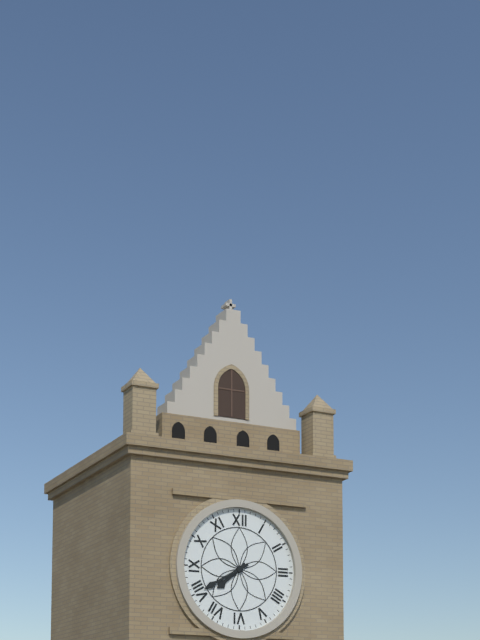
7h40
